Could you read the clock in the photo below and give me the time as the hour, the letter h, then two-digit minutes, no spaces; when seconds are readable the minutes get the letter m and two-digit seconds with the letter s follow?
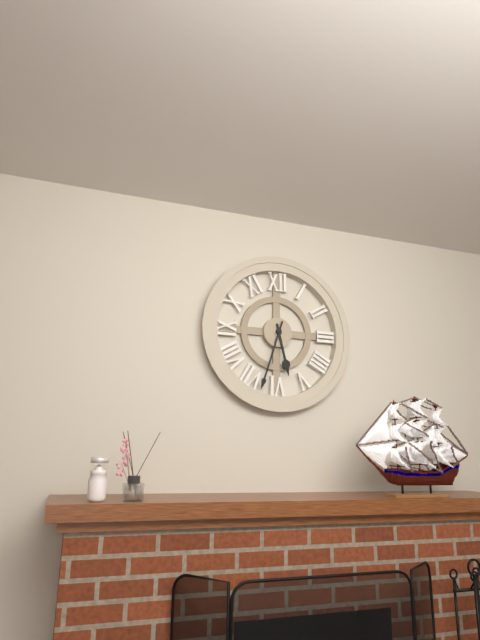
5h33
